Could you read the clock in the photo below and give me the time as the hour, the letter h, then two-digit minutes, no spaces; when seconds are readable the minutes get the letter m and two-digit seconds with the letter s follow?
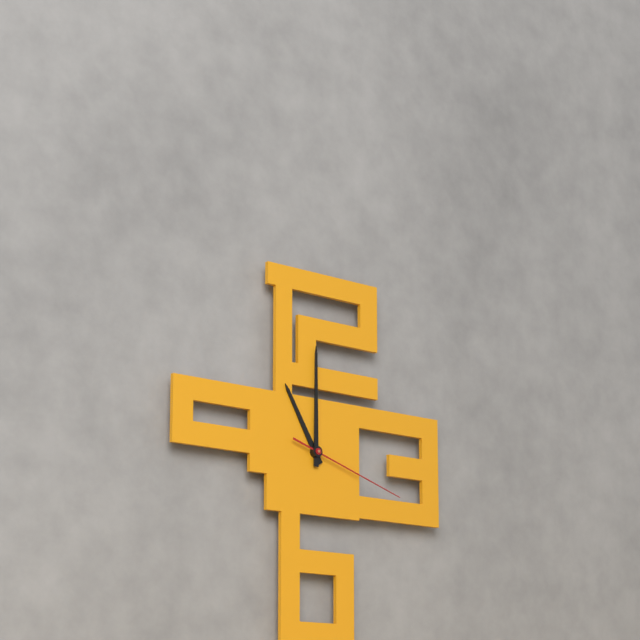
11h00m18s
